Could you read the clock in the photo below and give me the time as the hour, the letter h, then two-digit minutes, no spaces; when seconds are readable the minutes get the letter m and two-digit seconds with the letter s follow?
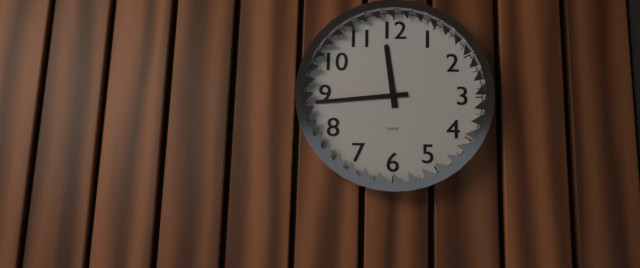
11h44
